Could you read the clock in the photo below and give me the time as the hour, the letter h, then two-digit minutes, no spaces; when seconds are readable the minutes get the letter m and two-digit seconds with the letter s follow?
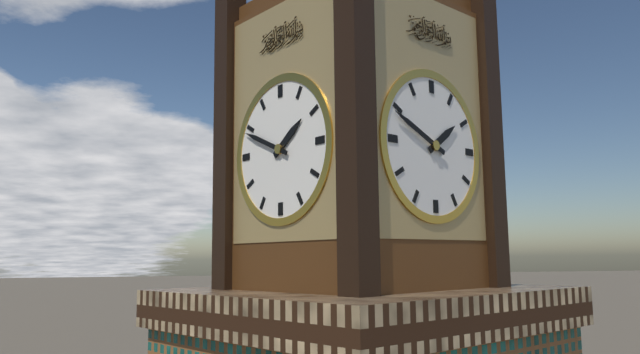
1h49
